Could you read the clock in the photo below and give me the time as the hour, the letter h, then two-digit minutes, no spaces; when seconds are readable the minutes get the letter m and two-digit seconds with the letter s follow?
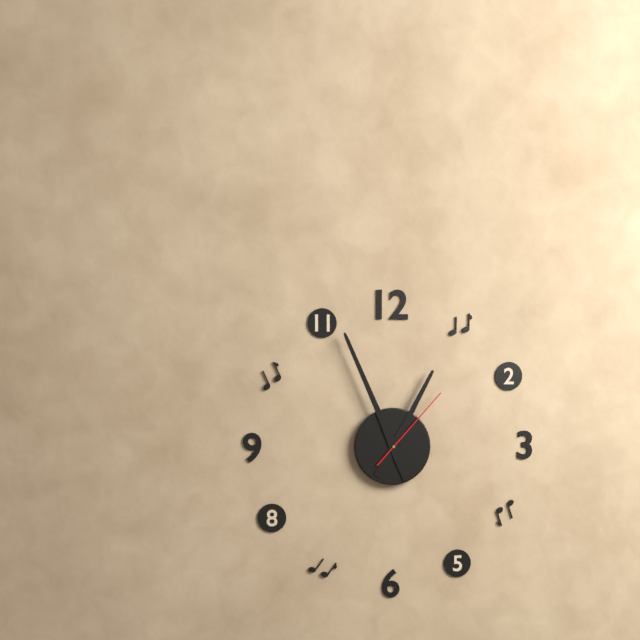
12h56m07s
